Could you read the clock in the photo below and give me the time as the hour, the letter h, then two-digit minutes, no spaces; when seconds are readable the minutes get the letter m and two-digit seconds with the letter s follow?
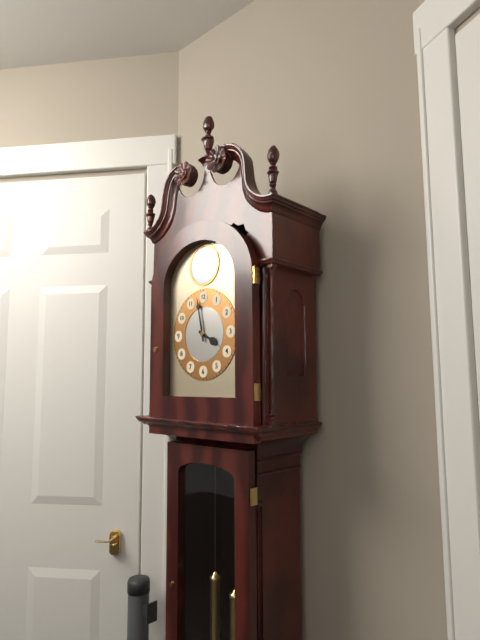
3h58
